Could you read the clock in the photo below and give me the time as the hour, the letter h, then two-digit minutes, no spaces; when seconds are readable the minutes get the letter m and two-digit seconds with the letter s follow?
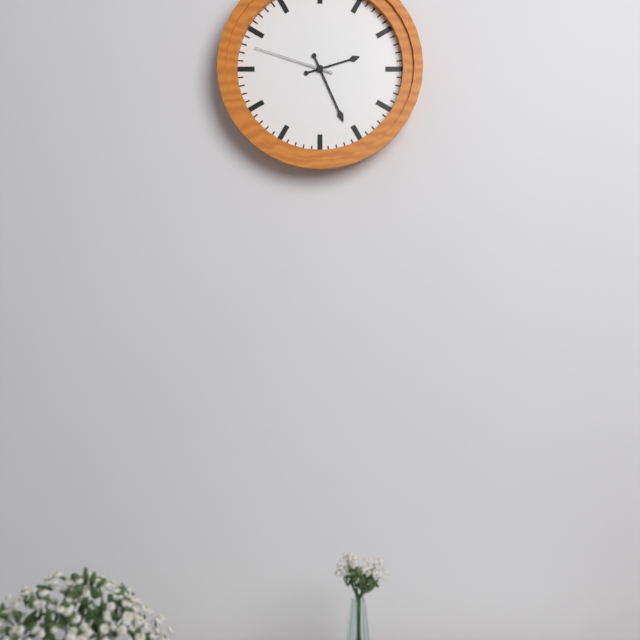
2h26m48s
